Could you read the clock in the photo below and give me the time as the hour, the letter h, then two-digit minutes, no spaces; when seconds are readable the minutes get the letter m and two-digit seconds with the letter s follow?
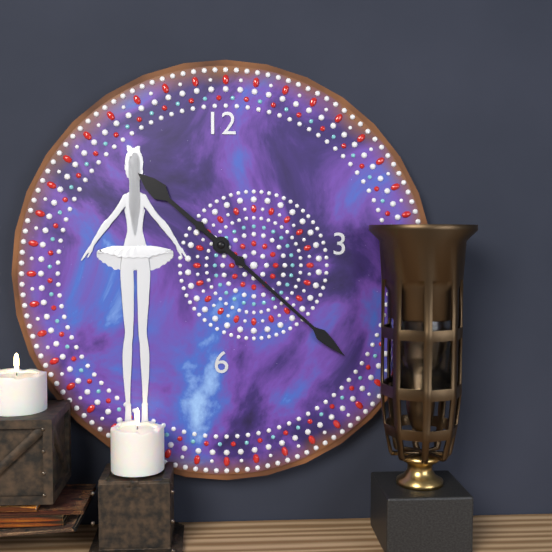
10h22
